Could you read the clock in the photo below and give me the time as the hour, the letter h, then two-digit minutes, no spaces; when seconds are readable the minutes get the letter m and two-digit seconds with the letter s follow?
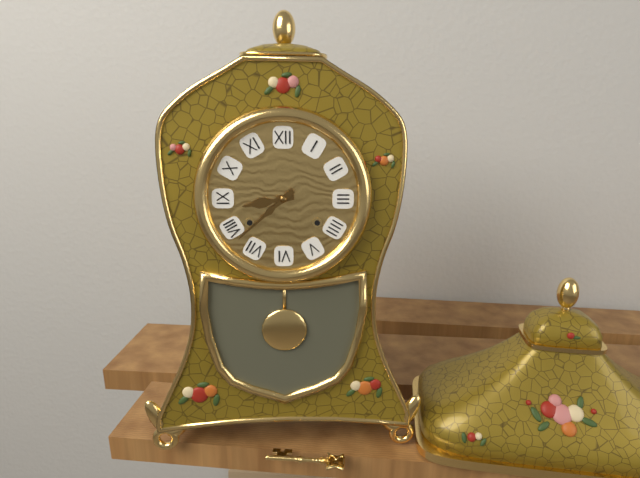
8h38
